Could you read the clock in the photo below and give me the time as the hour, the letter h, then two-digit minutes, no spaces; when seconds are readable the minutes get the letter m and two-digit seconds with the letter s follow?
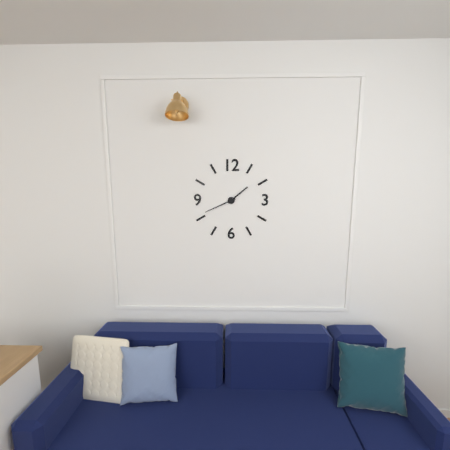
1h41
